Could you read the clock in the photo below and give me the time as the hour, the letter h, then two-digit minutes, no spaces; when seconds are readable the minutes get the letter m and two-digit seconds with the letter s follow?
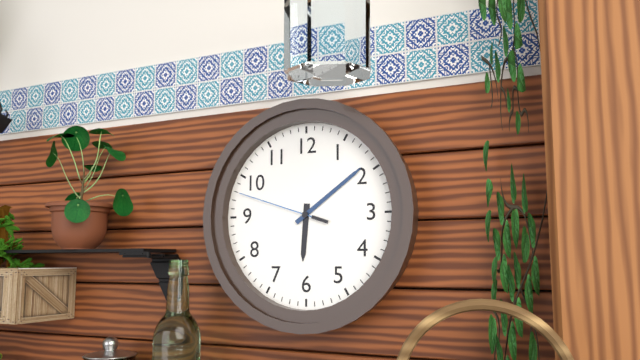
6h09m48s
